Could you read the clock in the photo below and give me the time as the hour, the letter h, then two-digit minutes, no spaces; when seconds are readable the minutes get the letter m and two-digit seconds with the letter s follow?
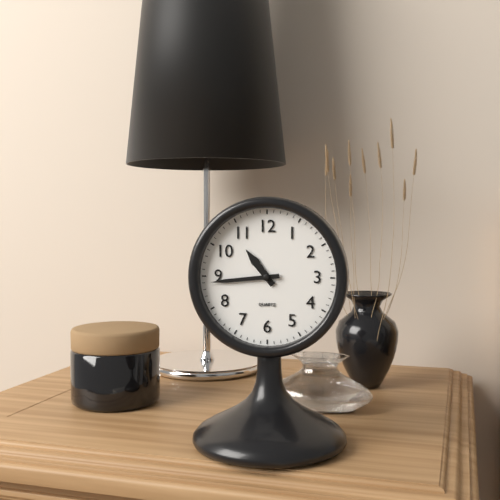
10h44
